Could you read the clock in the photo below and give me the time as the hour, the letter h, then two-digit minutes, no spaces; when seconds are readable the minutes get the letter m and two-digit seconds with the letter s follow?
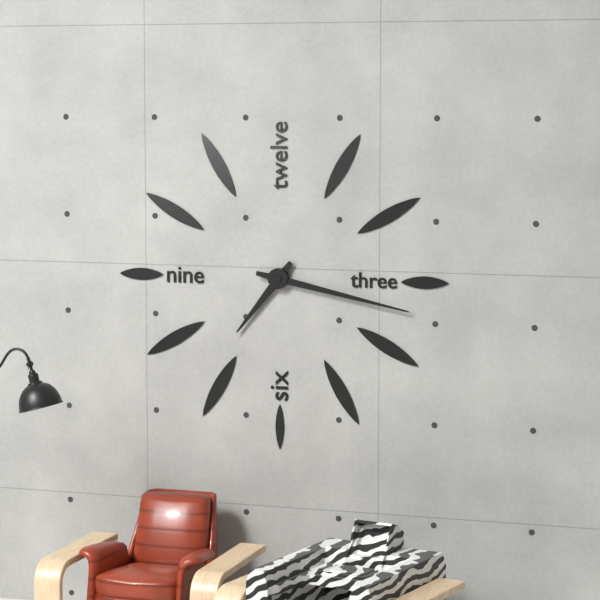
7h17
